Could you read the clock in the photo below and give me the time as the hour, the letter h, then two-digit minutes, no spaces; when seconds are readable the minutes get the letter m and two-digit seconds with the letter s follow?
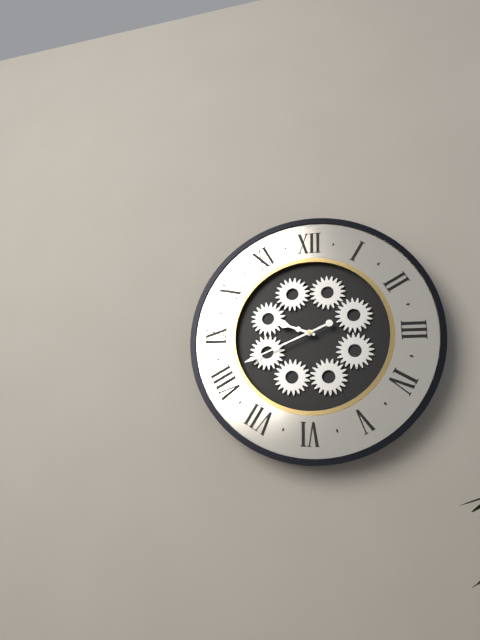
9h41
